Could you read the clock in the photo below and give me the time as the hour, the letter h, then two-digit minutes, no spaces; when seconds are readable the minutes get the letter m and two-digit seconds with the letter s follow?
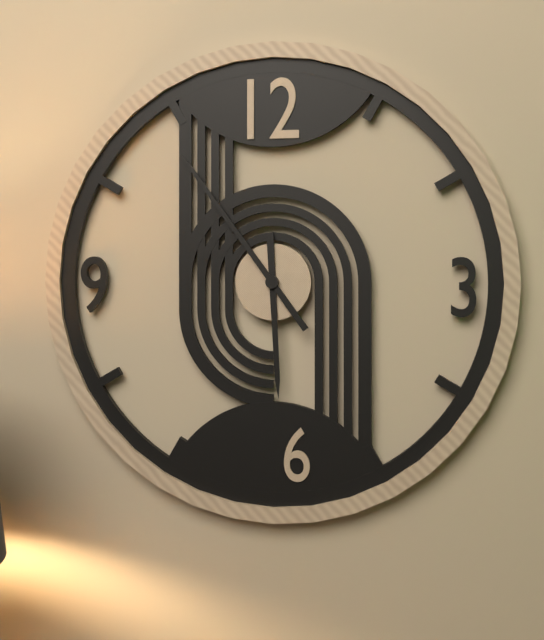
5h54
